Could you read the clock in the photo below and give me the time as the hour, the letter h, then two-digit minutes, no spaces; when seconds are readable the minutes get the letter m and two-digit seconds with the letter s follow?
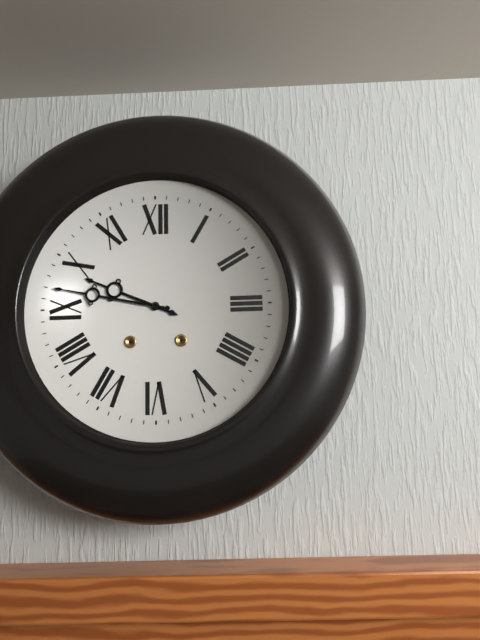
9h47
